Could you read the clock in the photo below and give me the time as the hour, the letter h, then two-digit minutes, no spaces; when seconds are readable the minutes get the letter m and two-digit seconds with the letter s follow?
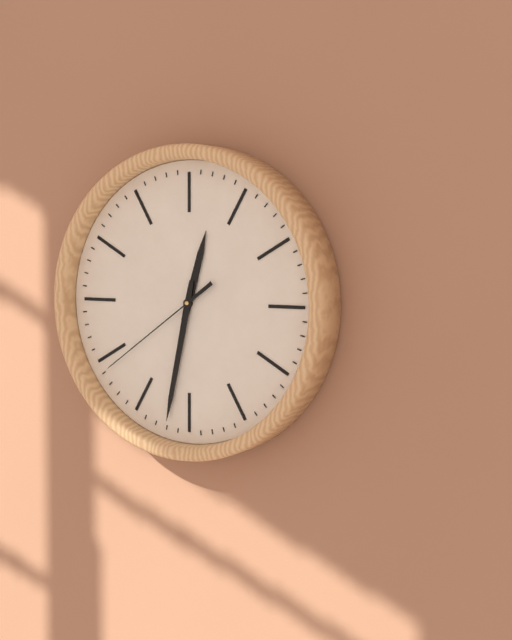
12h32m39s
